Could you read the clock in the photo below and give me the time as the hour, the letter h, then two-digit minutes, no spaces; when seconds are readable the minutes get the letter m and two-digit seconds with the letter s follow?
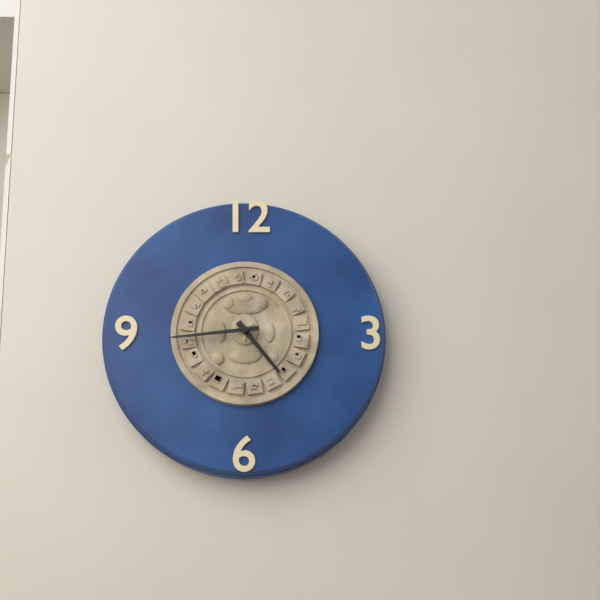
4h44
